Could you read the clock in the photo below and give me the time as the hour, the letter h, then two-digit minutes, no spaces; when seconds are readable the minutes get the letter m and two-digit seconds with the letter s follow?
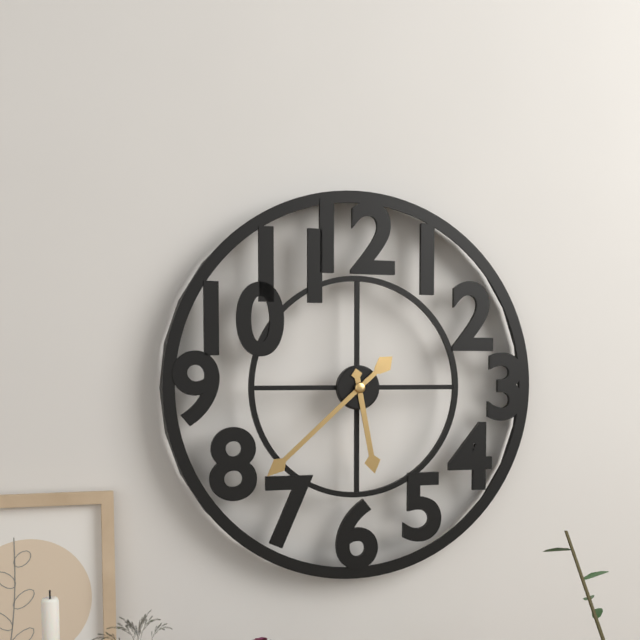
5h38
